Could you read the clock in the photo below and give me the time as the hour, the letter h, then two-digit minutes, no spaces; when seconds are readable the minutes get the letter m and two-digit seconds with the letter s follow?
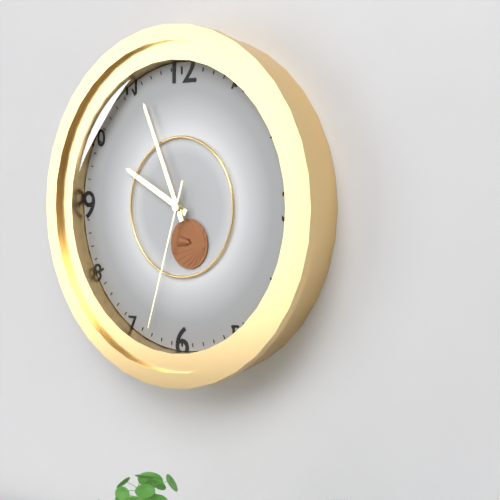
9h56m33s
